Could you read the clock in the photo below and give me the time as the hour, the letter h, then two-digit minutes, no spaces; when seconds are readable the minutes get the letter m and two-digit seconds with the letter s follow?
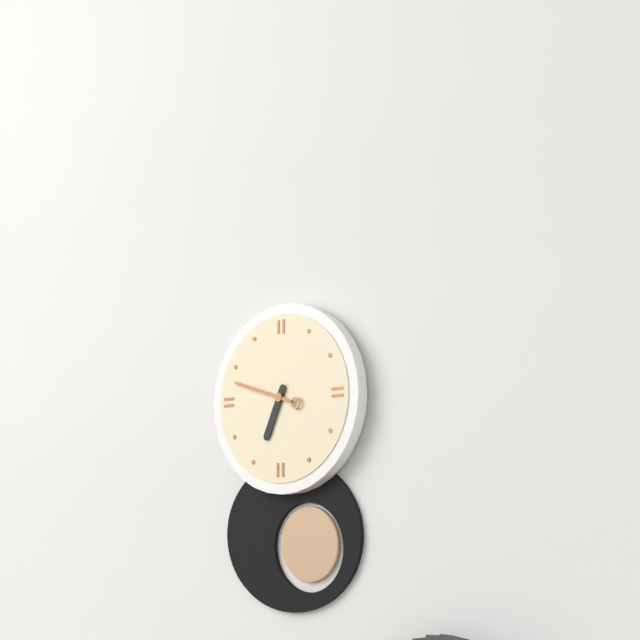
6h48
